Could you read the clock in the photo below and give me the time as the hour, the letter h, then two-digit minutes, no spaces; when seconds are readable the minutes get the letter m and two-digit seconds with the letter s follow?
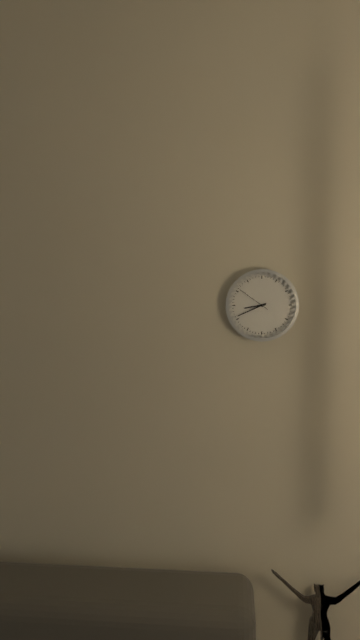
8h41
